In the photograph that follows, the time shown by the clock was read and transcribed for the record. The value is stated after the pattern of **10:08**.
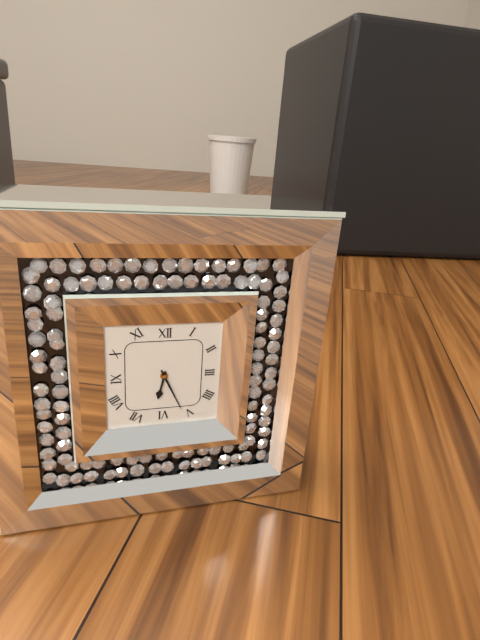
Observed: **6:26**
